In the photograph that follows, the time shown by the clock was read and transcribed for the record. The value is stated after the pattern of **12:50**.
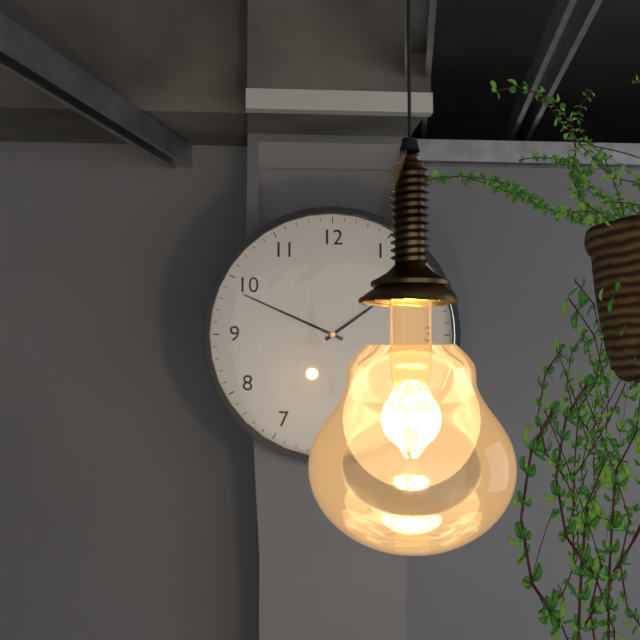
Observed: **1:49**
